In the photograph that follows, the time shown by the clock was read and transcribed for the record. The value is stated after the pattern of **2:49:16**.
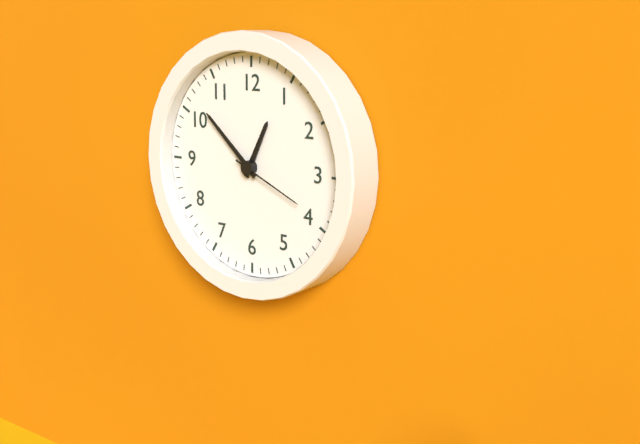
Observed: **12:52:19**
